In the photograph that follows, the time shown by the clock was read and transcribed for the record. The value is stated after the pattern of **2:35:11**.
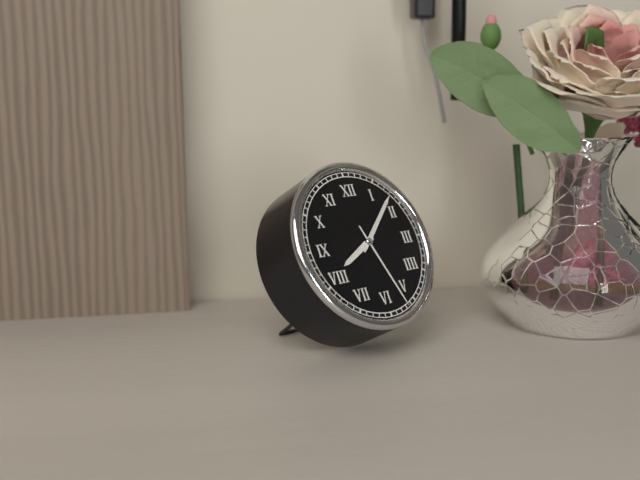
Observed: **8:08:27**
